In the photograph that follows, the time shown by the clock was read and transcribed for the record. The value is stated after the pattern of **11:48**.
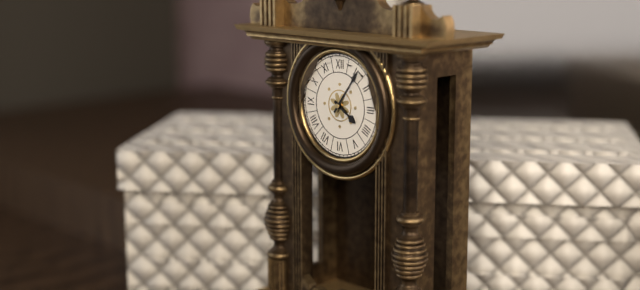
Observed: **4:06**
